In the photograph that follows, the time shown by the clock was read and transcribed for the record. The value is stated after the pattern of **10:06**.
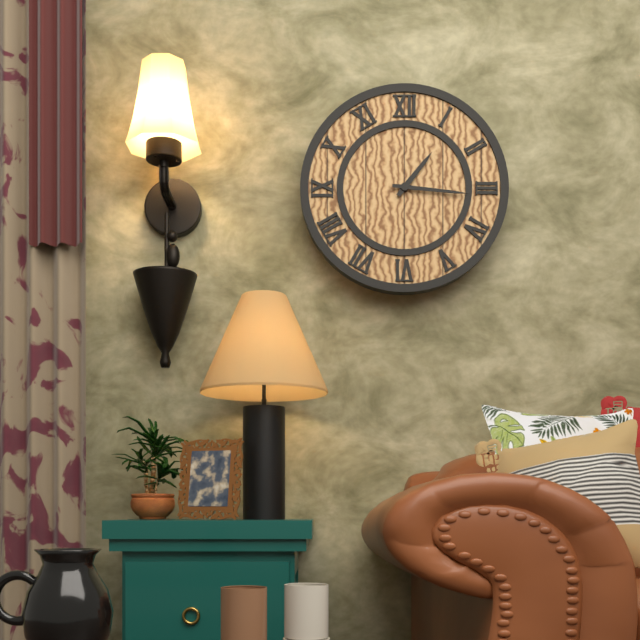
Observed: **1:16**
